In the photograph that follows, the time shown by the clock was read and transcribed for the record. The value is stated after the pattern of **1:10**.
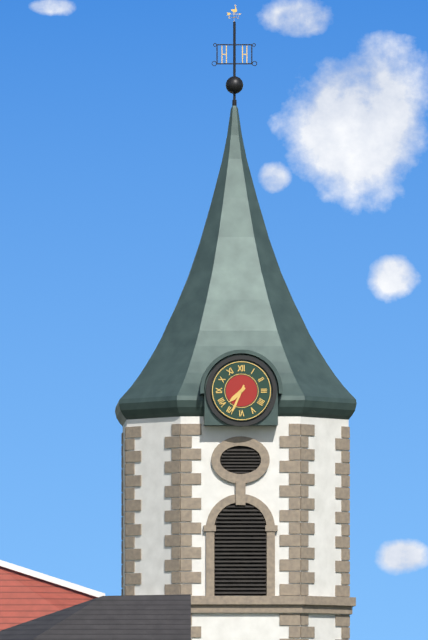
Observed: **7:34**
